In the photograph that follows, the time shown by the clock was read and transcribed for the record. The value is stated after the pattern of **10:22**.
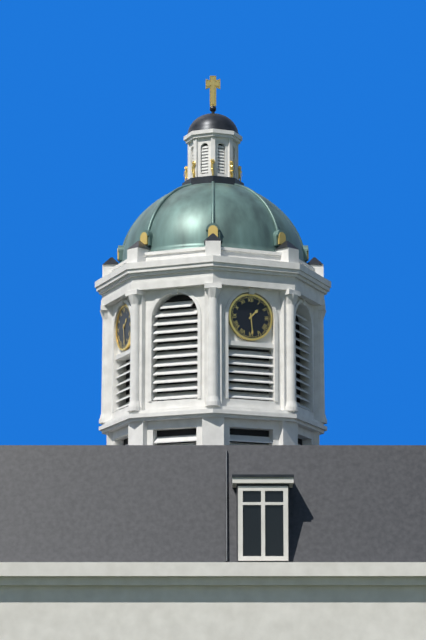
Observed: **1:29**
